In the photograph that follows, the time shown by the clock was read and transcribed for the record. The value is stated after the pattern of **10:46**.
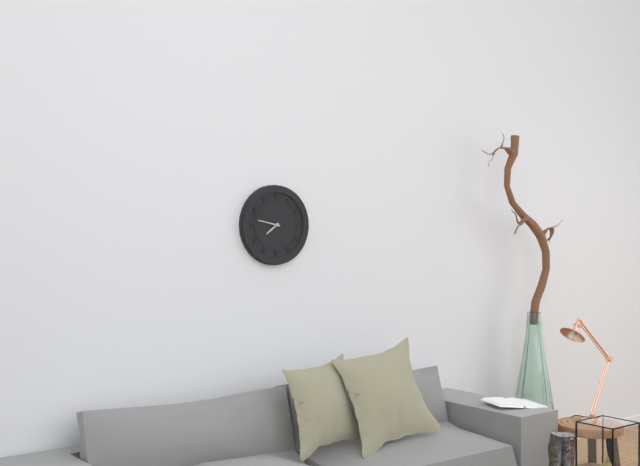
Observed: **7:47**
